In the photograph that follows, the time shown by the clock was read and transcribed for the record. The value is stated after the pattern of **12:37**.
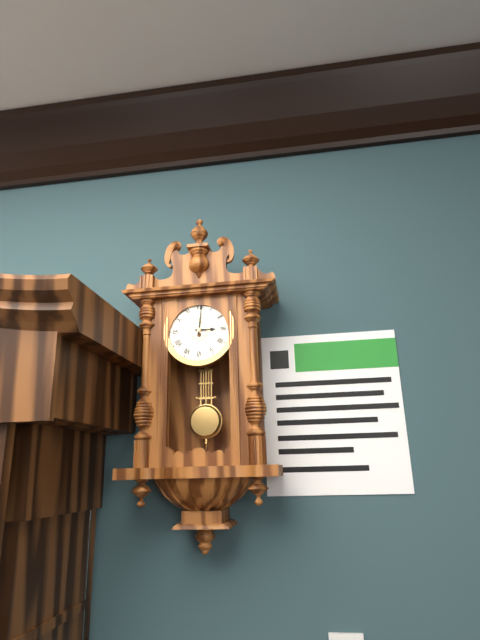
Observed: **3:01**
